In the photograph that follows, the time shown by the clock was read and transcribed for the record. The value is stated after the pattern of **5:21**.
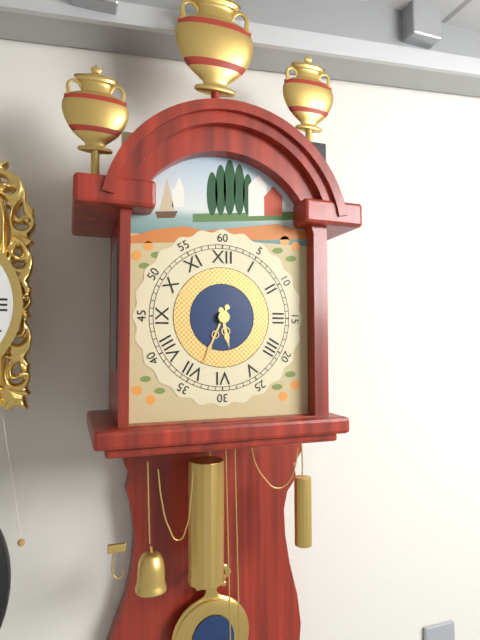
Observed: **5:34**
